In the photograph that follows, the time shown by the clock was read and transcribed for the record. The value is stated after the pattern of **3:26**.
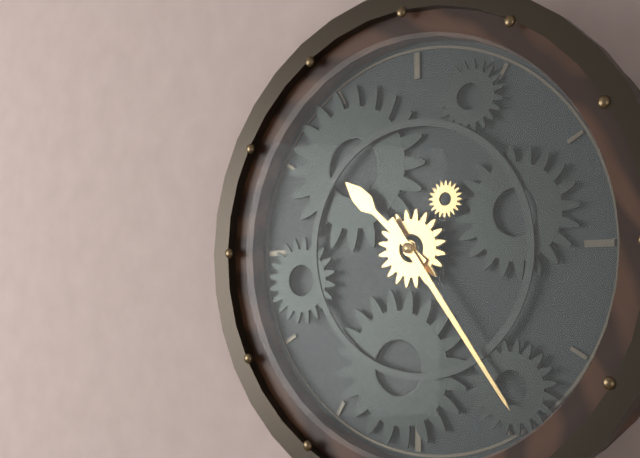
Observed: **10:24**
